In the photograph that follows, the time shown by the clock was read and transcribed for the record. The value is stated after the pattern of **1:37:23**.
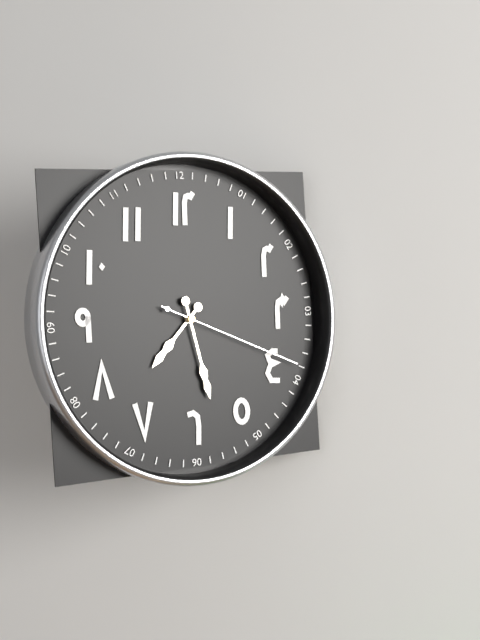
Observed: **7:28:19**
